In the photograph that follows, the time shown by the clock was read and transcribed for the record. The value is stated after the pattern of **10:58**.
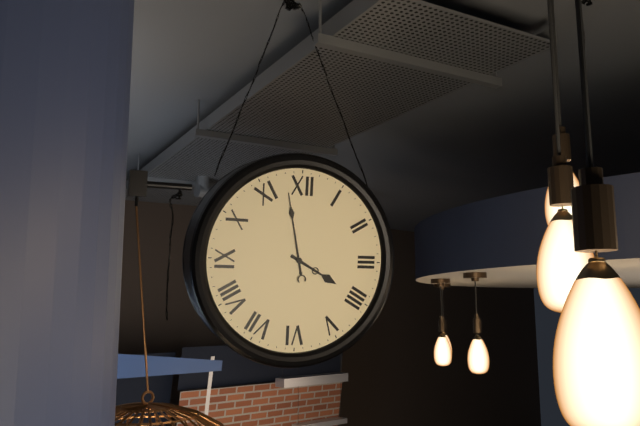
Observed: **3:58**
